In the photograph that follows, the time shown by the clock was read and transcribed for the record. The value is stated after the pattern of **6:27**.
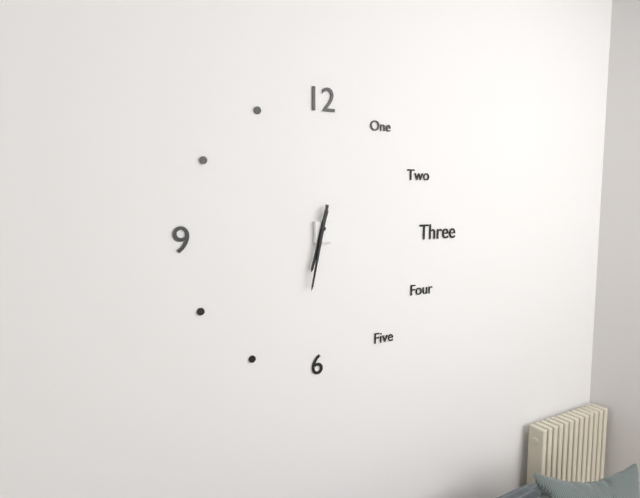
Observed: **6:32**
